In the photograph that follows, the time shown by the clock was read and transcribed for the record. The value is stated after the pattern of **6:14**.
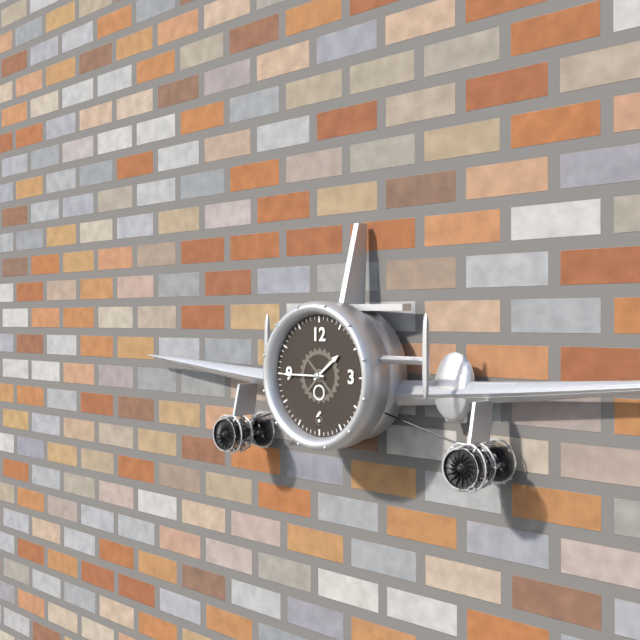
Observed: **1:45**
